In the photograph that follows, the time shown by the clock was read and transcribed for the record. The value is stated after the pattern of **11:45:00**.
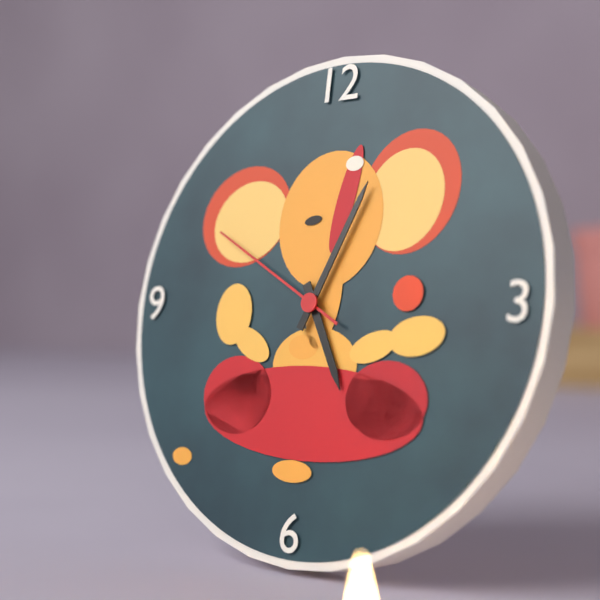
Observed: **5:04:50**
